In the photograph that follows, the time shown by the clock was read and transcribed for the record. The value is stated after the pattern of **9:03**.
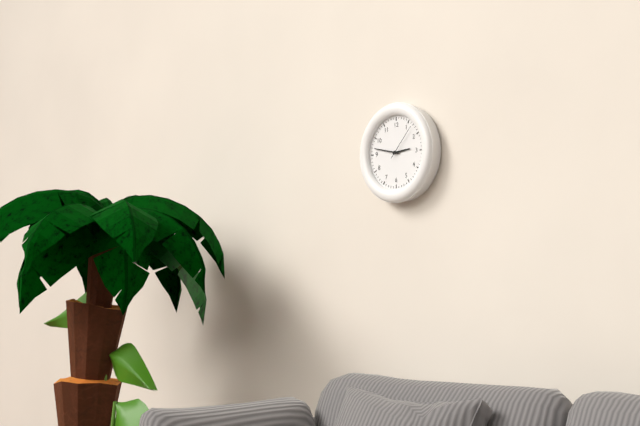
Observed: **2:47**
